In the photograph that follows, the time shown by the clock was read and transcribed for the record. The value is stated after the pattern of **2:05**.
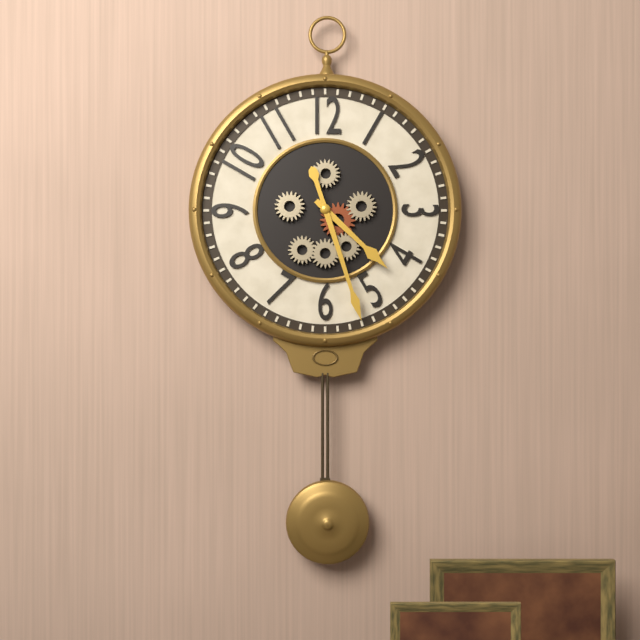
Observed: **4:27**
